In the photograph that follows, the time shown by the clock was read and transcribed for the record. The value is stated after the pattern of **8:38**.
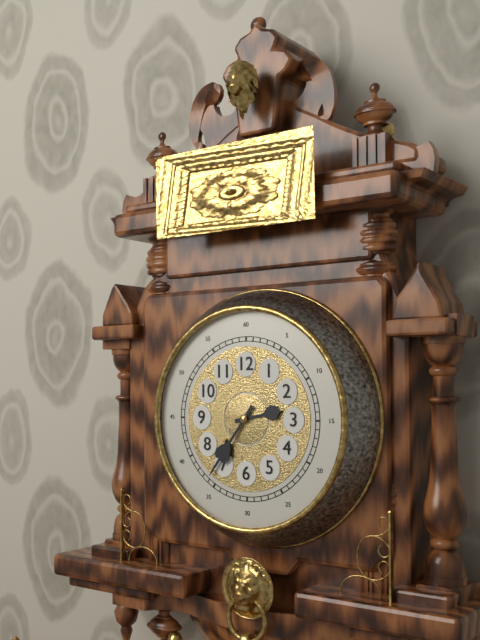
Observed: **2:36**
